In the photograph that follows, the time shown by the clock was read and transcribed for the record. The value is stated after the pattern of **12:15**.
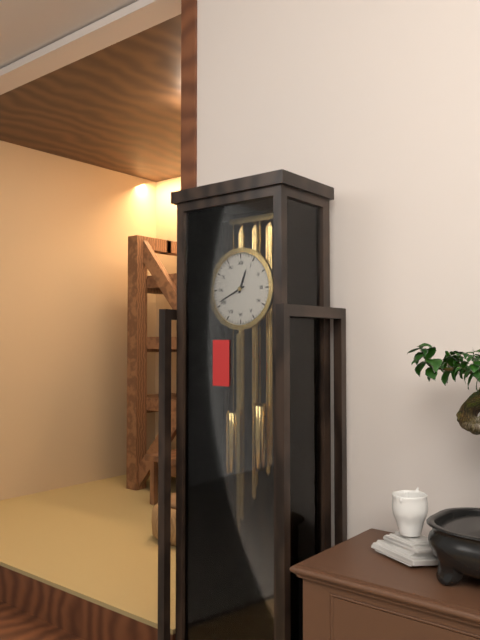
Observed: **12:41**
